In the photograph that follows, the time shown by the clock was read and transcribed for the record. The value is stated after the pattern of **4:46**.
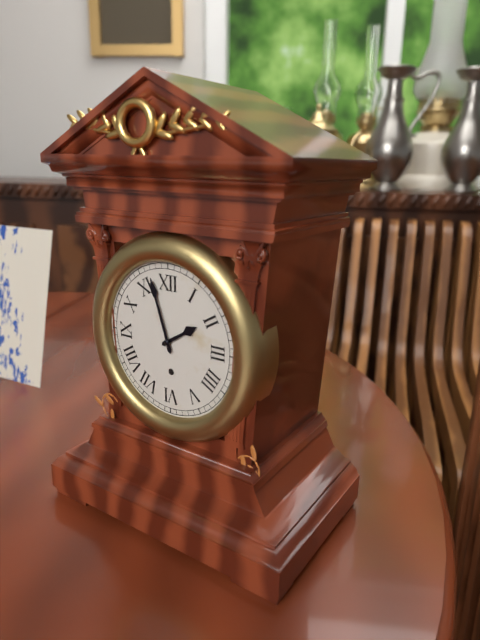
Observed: **1:57**
